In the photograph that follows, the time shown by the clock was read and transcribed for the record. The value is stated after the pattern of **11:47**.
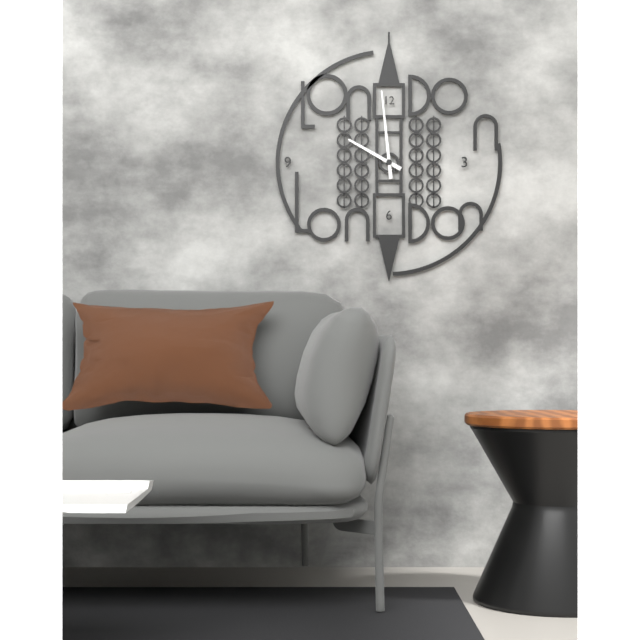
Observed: **9:59**
